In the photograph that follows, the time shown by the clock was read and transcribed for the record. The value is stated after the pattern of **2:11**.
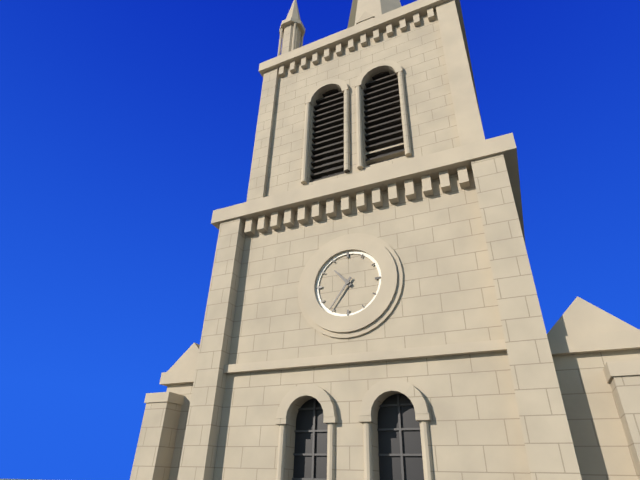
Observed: **10:36**
